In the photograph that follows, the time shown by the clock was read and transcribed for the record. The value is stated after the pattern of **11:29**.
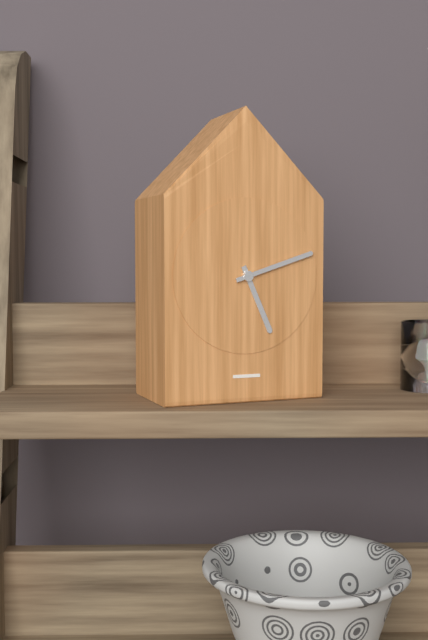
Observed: **5:12**
